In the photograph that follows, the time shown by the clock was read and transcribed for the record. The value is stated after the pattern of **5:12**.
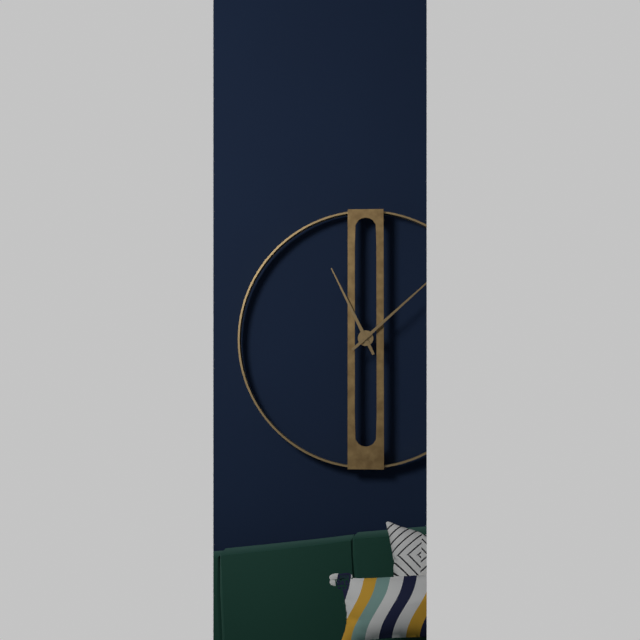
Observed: **11:08**
